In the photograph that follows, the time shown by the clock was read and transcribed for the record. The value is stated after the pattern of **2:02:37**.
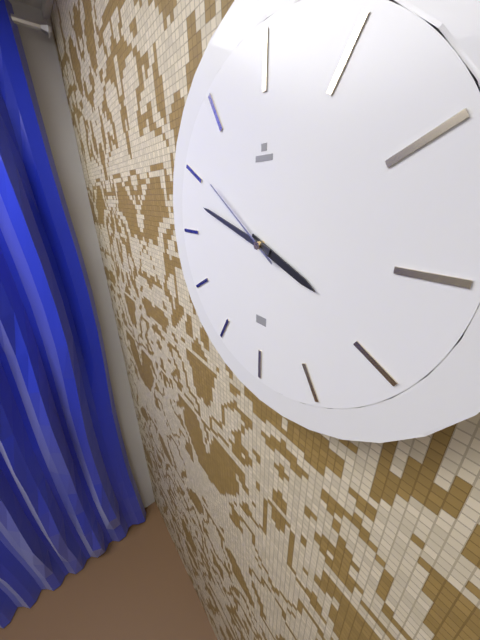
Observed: **3:48:51**
